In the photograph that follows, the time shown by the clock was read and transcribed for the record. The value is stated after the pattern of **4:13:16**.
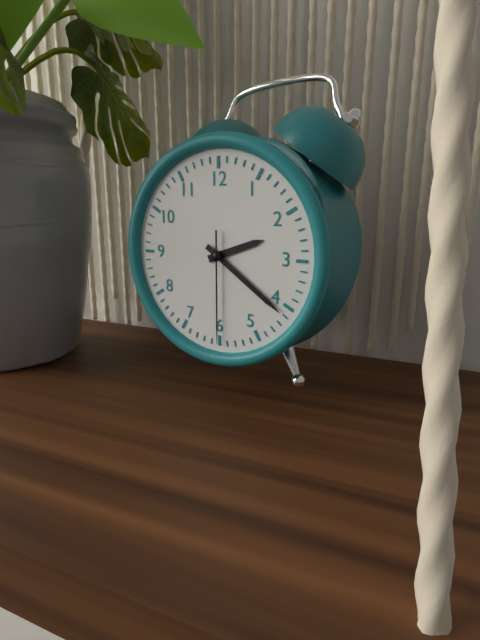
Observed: **2:21:30**
